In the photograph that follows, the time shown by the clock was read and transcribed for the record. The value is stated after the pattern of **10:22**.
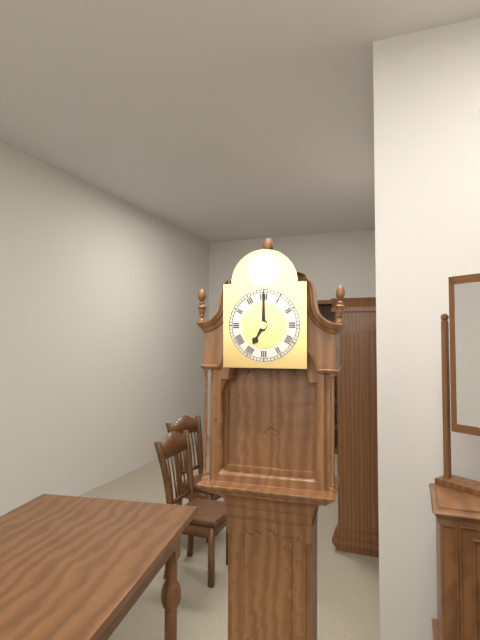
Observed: **7:00**
